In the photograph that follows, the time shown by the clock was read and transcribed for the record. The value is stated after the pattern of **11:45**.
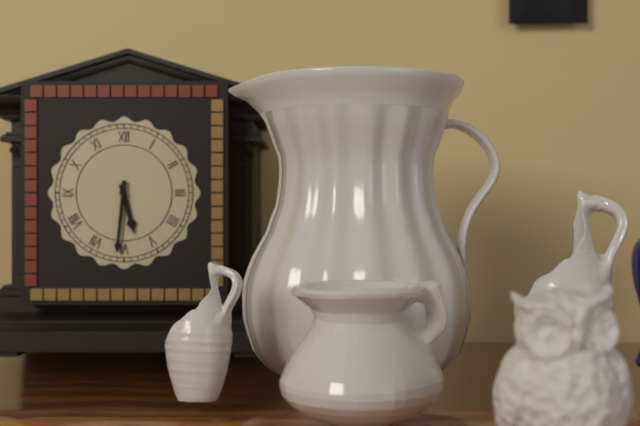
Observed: **5:31**
